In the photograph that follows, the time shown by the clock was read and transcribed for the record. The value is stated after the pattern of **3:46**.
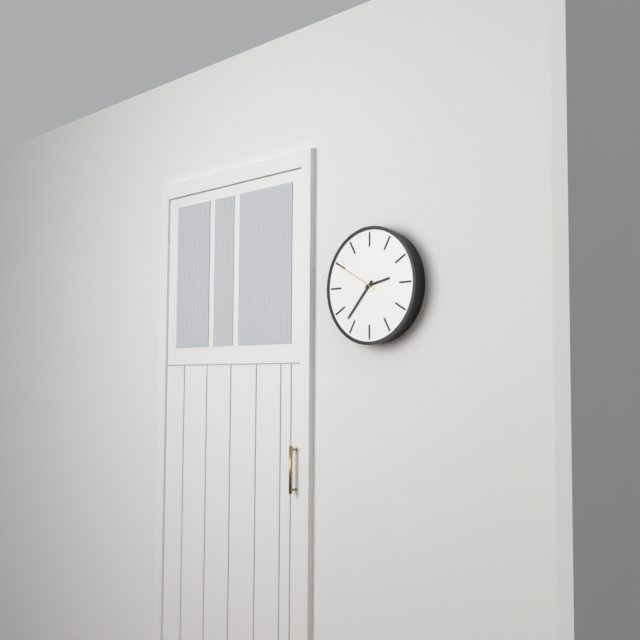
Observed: **2:37**
